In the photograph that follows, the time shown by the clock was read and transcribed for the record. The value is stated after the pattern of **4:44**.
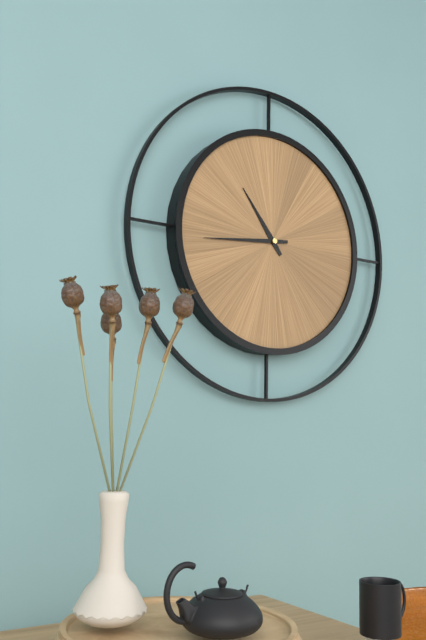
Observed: **10:44**
